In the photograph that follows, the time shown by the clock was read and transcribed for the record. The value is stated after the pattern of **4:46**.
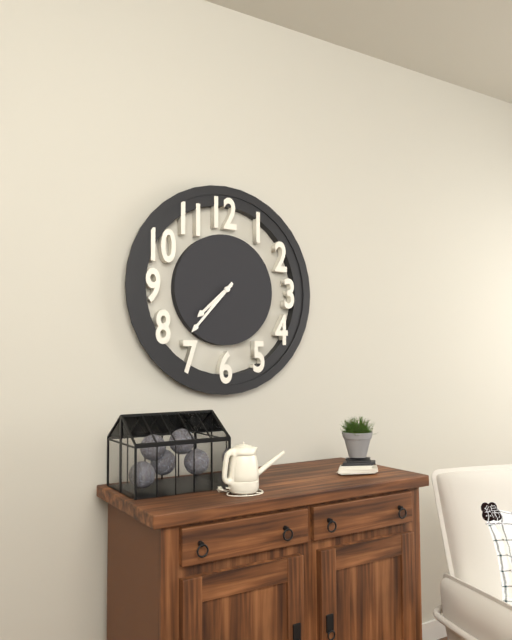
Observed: **7:37**
